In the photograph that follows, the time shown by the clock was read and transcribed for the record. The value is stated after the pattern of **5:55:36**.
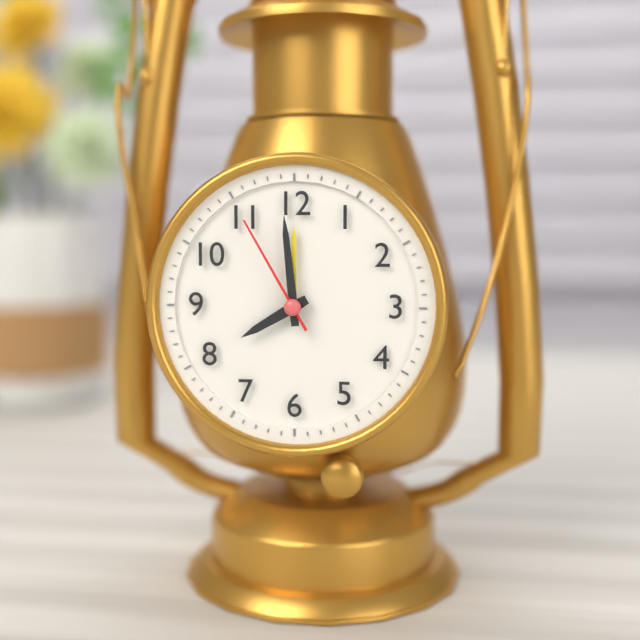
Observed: **7:59:55**
